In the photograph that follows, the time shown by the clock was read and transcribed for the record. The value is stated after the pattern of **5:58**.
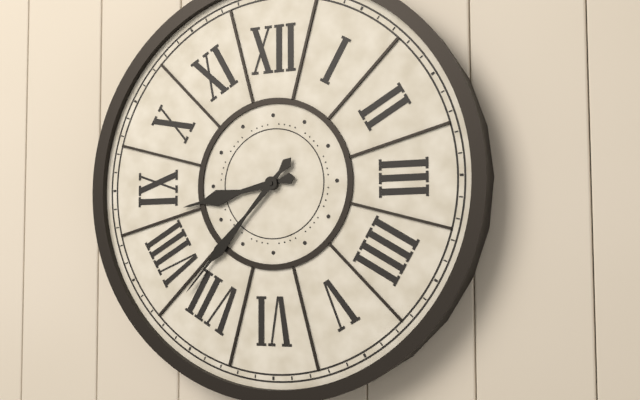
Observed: **8:37**
